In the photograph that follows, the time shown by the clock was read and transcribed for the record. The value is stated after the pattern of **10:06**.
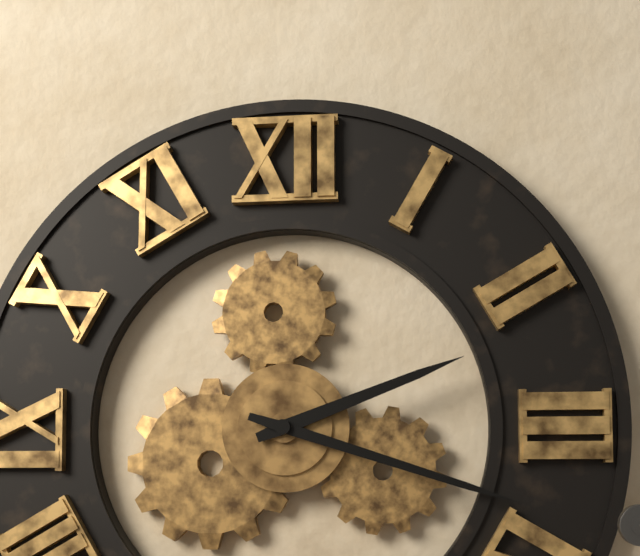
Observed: **2:18**
